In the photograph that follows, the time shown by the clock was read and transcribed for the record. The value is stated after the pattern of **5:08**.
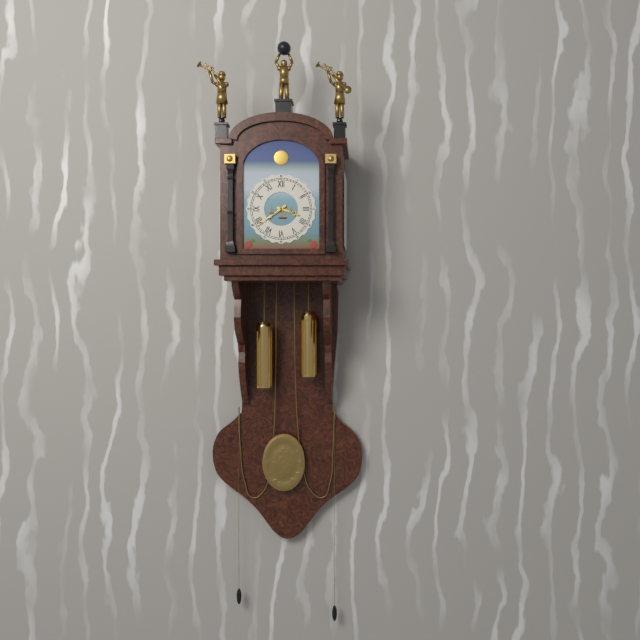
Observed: **3:39**
